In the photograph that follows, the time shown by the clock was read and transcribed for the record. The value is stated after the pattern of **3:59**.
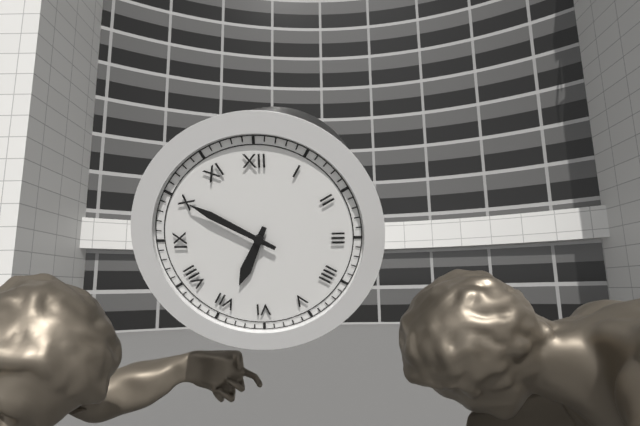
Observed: **6:50**
